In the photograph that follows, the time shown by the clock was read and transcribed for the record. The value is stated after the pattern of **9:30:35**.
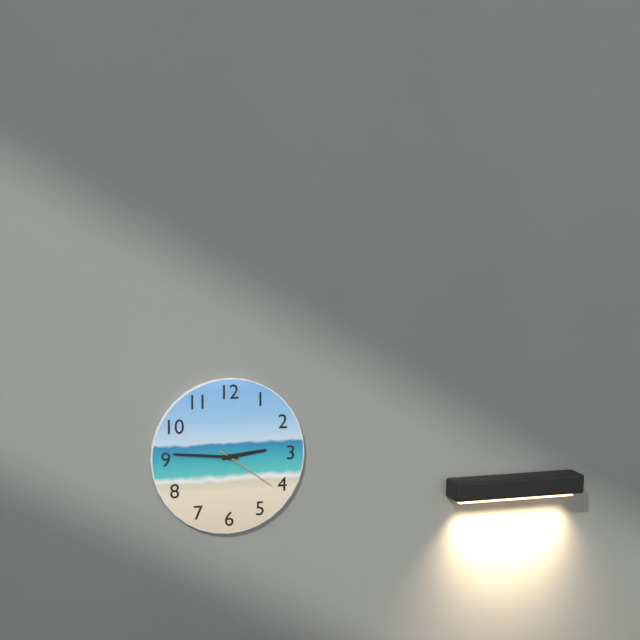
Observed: **2:46:21**
